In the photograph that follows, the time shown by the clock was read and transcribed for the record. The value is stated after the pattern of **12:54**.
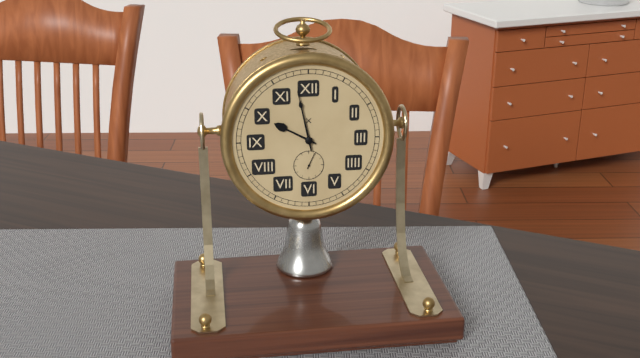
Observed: **9:58**
